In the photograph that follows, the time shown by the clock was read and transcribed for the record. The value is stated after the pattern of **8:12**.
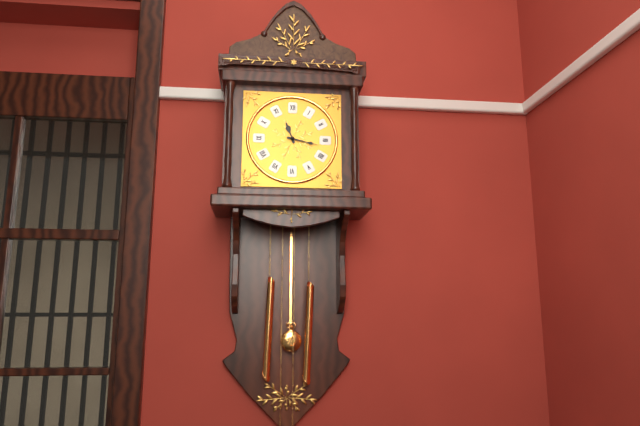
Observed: **11:17**
